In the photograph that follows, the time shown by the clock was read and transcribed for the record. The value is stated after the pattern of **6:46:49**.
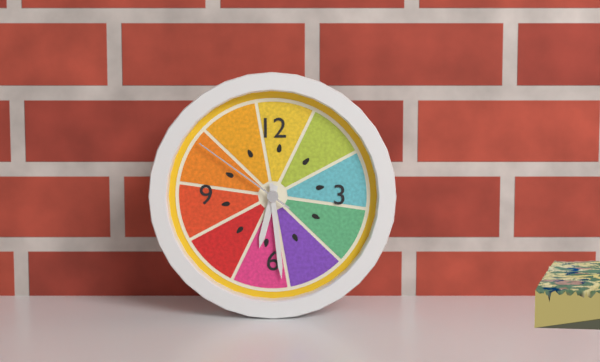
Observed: **6:29:51**
